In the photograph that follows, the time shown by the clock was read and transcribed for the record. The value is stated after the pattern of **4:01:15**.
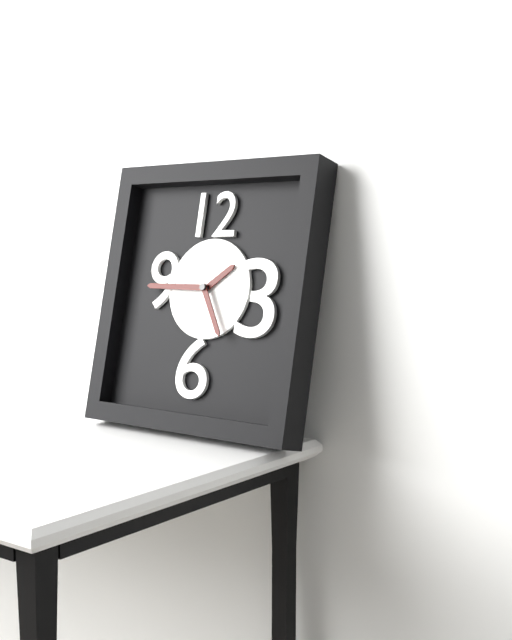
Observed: **1:45:25**
